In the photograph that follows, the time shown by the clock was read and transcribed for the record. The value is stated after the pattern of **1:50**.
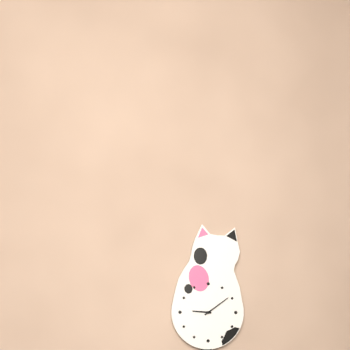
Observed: **9:09**
